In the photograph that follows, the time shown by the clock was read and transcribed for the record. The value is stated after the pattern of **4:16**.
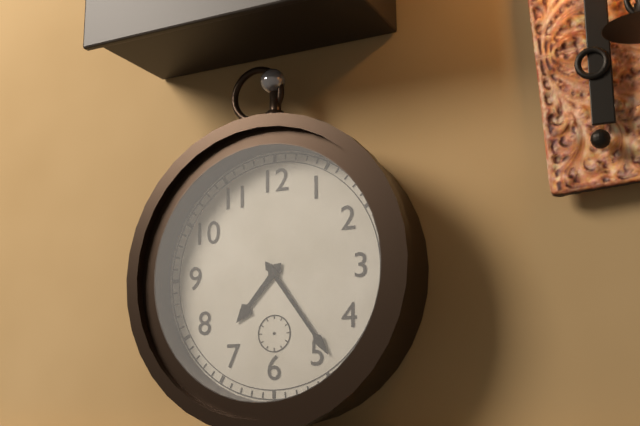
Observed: **7:24**
